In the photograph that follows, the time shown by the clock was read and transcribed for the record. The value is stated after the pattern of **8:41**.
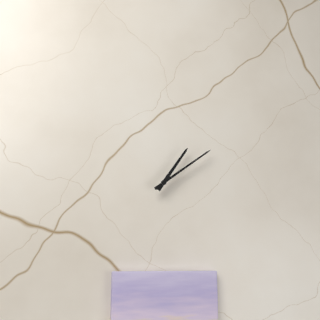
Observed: **1:09**
